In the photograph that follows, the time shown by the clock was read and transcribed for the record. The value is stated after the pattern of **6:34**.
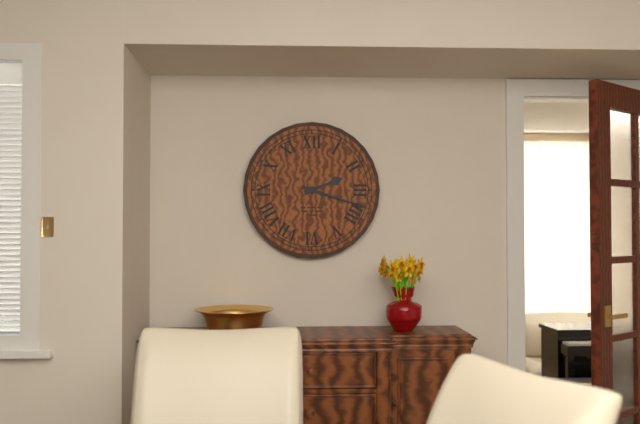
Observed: **2:18**
